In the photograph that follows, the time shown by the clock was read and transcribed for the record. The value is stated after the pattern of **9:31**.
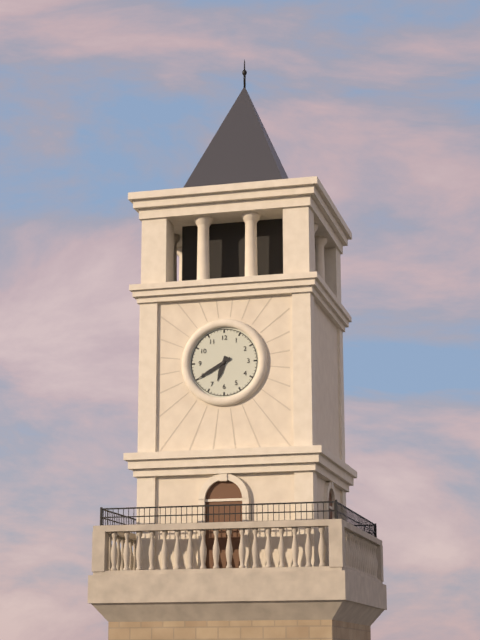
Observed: **6:40**
